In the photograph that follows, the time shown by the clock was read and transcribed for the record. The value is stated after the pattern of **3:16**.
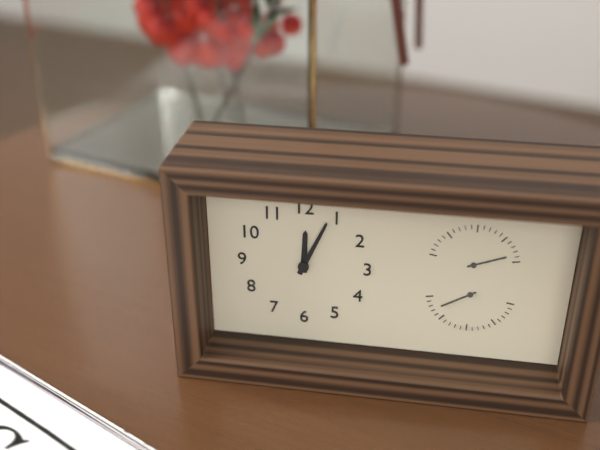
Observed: **12:04**
